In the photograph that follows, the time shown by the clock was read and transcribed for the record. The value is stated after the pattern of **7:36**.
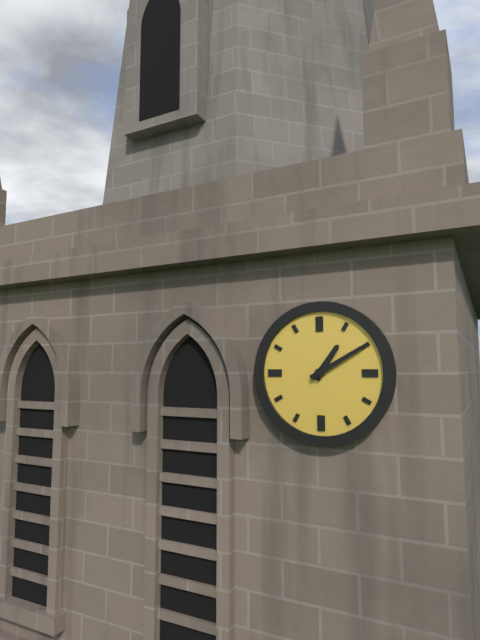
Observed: **1:10**
